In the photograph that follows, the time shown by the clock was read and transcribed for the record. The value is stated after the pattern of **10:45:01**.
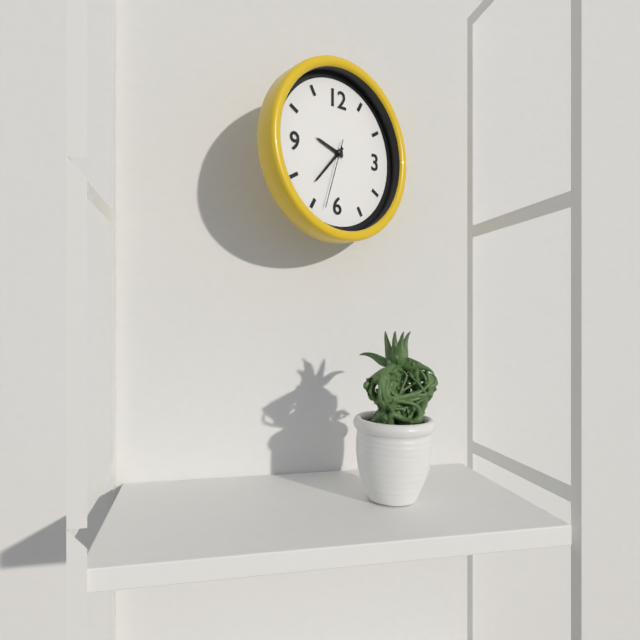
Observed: **9:37:33**
